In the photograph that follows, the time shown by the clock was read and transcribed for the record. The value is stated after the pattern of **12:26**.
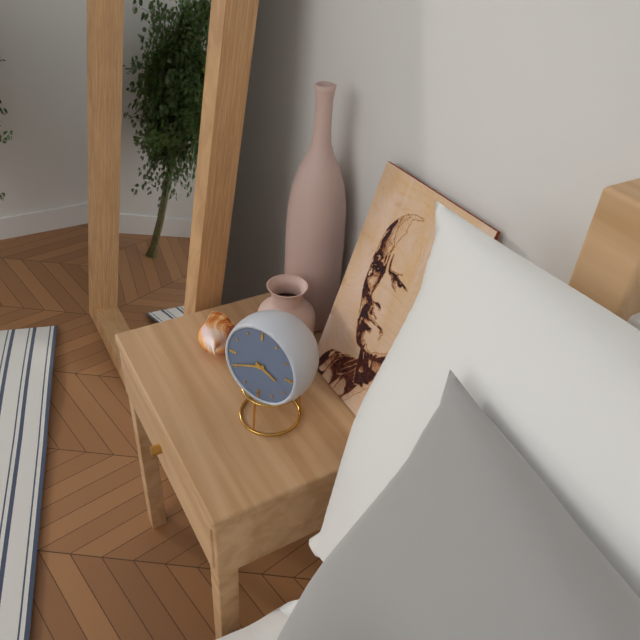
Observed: **3:41**
